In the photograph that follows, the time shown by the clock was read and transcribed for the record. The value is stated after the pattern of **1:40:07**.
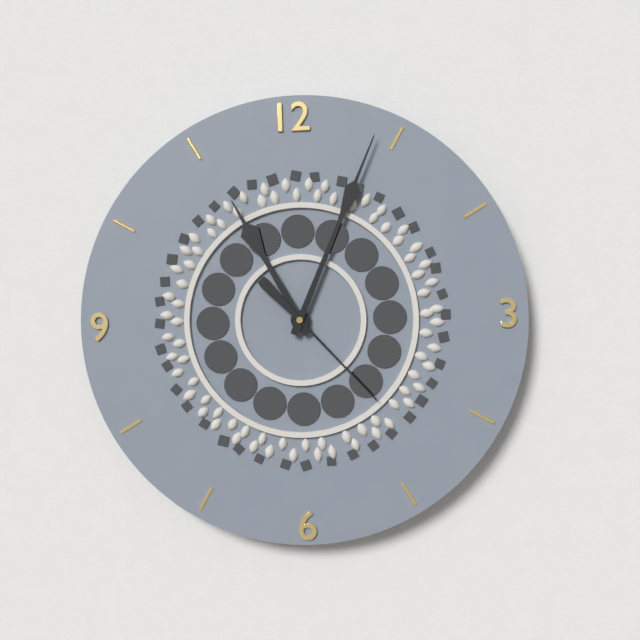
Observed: **11:04:23**
